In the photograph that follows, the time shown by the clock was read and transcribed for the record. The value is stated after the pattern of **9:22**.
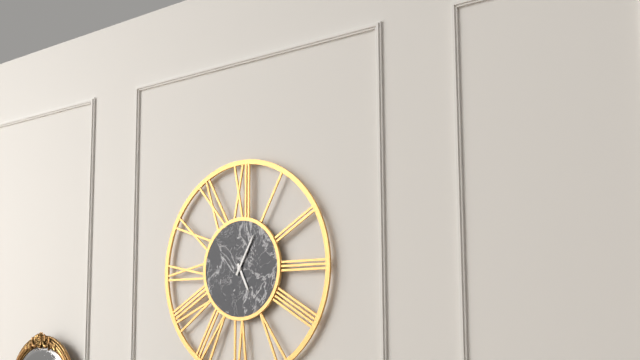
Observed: **5:05**
